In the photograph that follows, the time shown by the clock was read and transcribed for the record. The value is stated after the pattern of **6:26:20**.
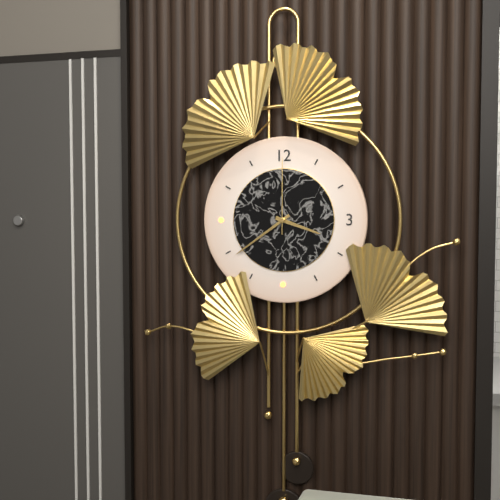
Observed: **3:39:00**
